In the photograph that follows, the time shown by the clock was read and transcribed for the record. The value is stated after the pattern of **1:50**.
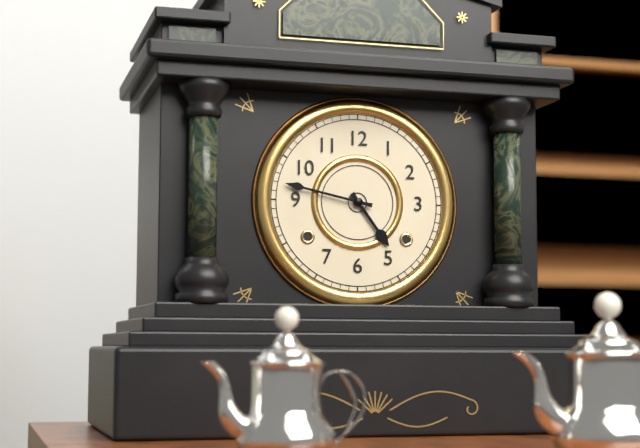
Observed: **4:47**
